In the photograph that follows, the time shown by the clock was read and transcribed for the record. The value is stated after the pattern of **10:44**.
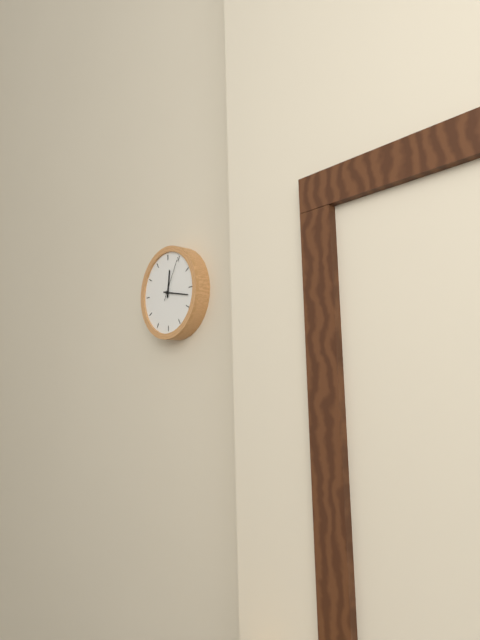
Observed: **12:17**
